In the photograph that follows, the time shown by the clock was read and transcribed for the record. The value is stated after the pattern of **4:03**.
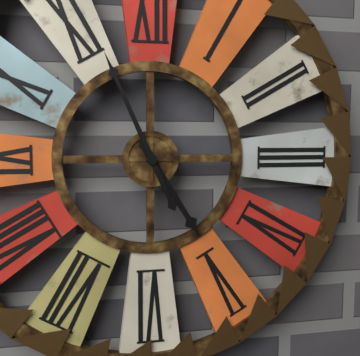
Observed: **4:56**
